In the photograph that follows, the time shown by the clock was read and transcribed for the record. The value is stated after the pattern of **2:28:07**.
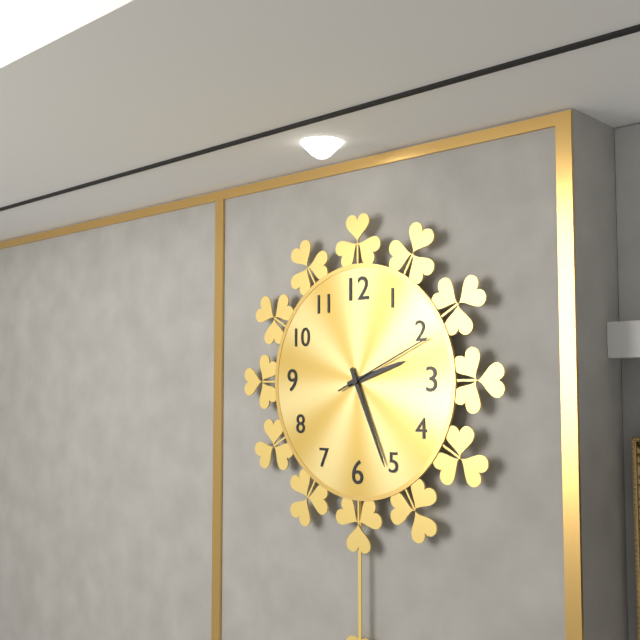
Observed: **2:26:11**
